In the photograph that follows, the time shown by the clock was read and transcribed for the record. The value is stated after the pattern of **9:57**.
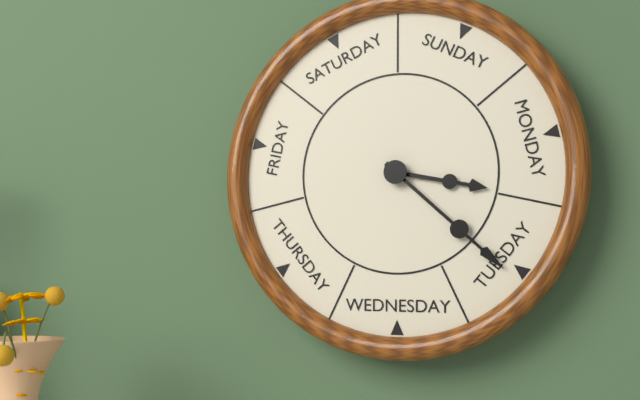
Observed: **3:22**
